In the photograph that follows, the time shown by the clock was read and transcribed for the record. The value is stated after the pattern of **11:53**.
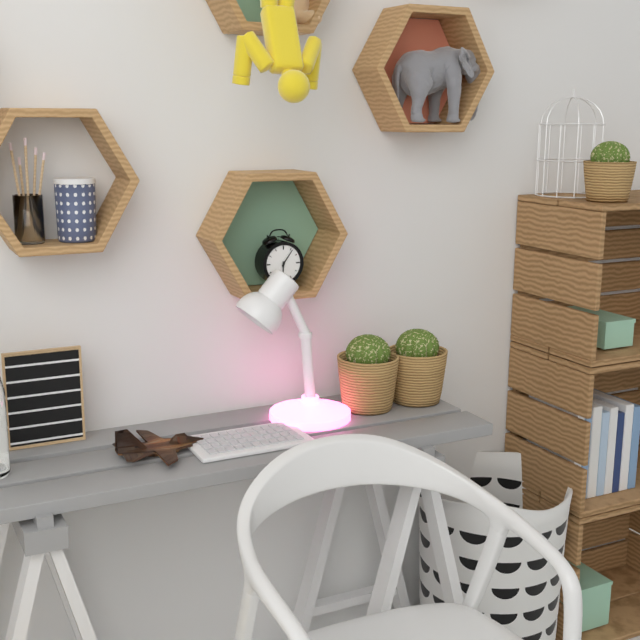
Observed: **6:06**
